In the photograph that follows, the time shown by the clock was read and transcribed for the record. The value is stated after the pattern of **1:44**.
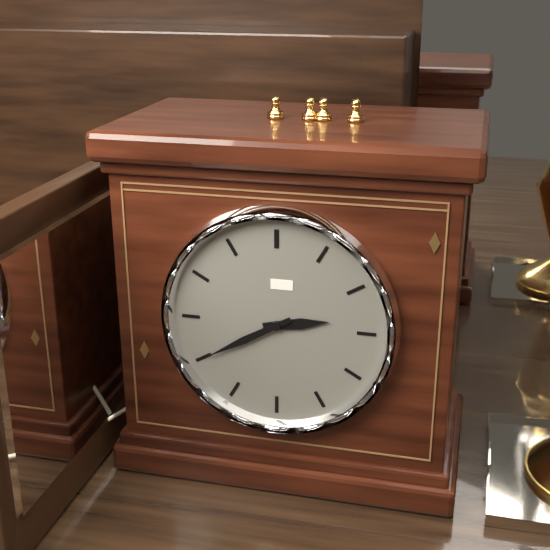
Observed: **2:40**
